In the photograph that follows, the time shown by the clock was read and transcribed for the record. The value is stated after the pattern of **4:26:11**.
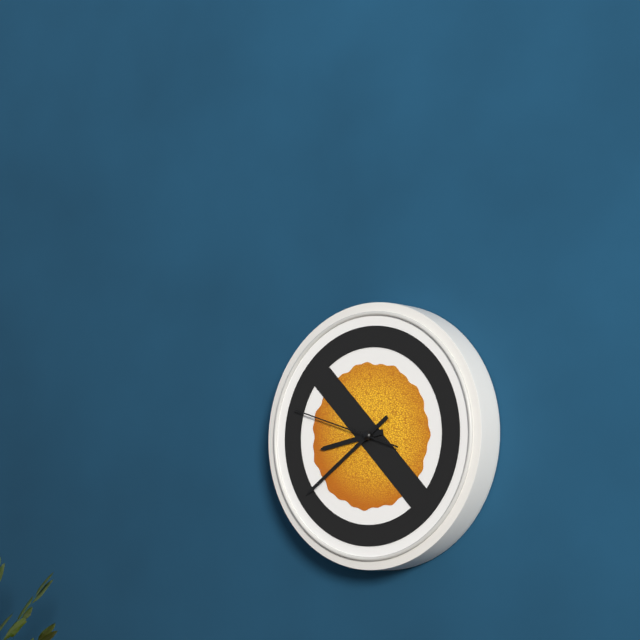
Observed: **8:39:48**
